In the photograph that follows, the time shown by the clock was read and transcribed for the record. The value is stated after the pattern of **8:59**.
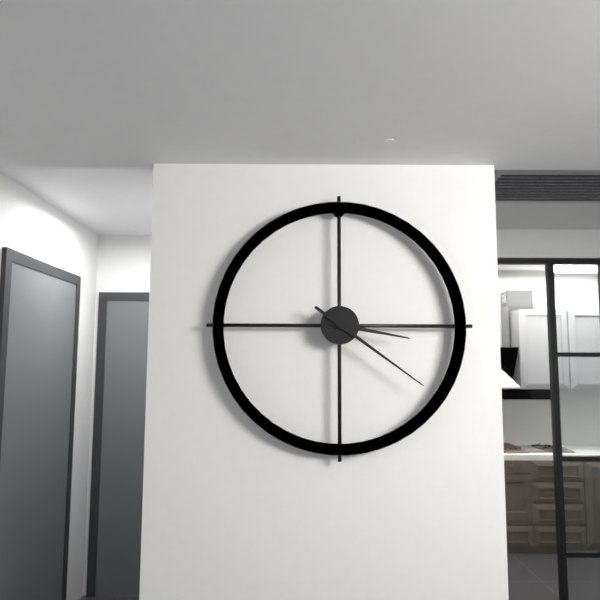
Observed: **3:21**
